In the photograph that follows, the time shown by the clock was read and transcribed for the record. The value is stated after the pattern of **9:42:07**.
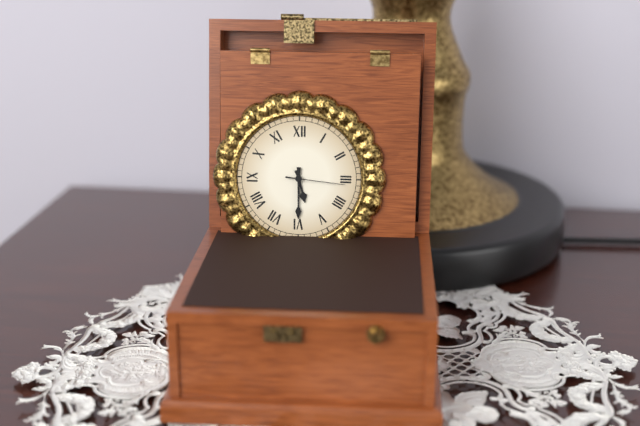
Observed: **5:30:16**
